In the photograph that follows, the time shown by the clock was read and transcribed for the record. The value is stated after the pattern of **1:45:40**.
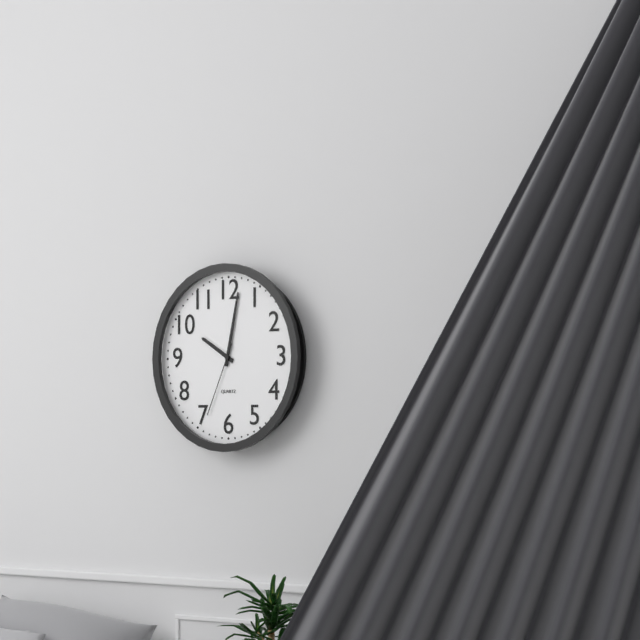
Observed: **10:02:34**
